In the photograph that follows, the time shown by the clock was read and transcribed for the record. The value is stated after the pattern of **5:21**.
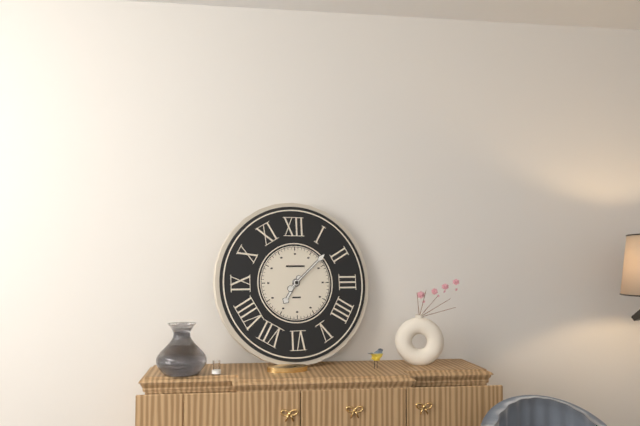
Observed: **7:08**
